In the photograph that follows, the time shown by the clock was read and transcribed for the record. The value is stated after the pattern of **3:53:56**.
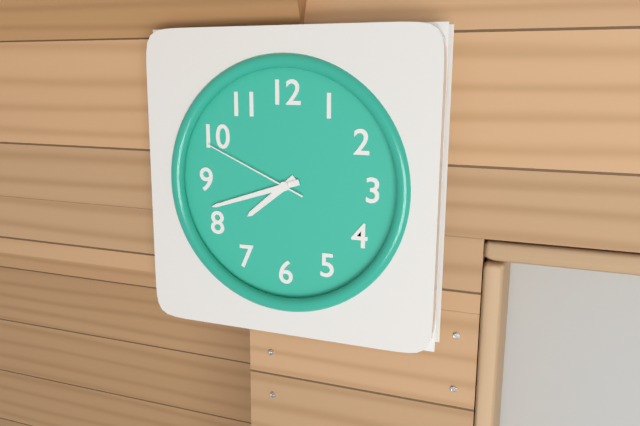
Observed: **7:42:49**
